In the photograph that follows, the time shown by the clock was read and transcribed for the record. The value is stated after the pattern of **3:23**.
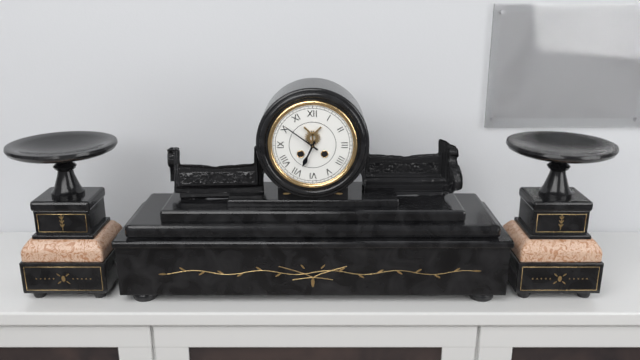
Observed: **6:51**
